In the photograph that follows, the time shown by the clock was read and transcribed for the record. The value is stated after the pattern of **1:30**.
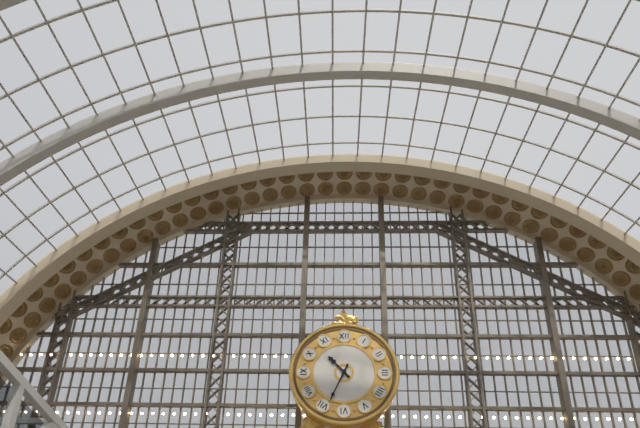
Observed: **10:34**
